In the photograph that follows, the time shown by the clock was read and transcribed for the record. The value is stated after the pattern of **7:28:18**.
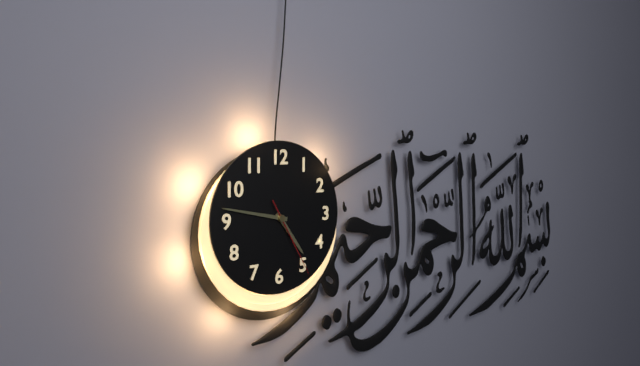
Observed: **4:47:25**
